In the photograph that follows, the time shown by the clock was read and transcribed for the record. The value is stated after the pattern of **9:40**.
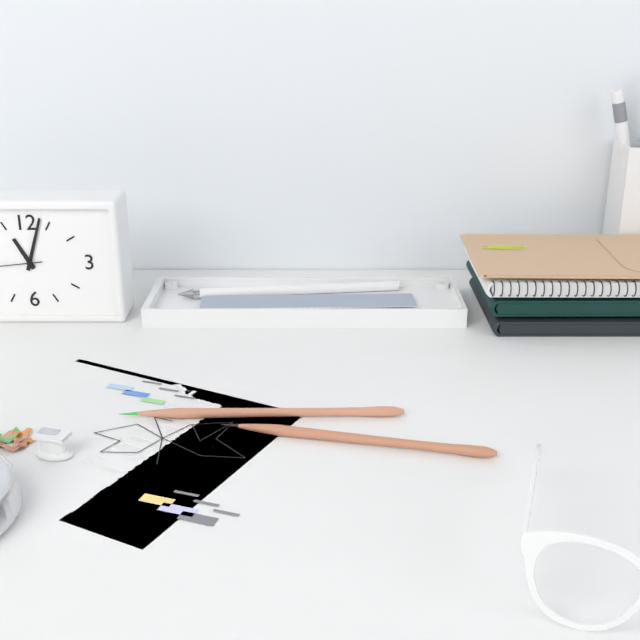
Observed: **11:03**
